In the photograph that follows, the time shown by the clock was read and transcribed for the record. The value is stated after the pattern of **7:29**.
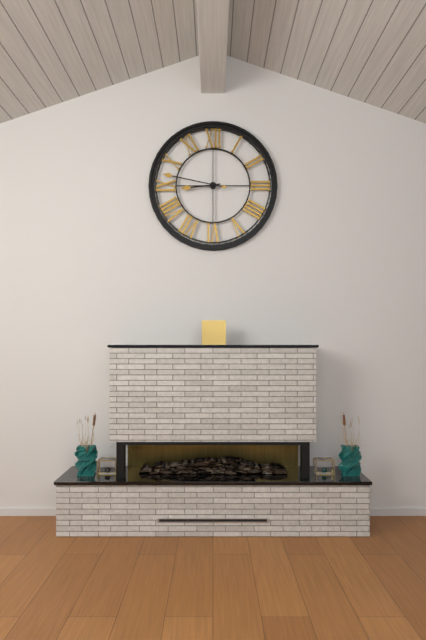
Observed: **8:47**
